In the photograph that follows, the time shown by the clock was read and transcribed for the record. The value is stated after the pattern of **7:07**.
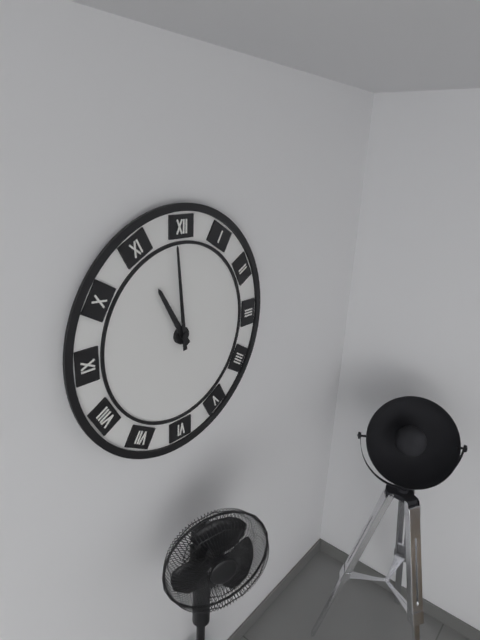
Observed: **10:59**
